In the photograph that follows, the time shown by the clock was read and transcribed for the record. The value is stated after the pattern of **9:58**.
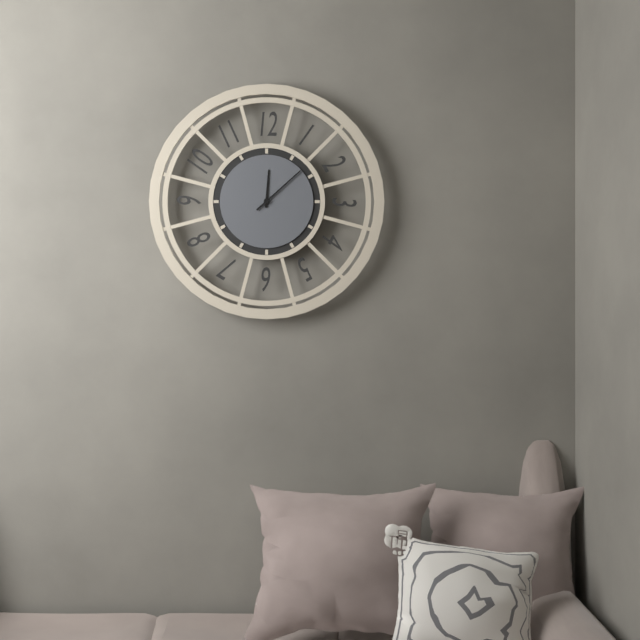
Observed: **12:08**
